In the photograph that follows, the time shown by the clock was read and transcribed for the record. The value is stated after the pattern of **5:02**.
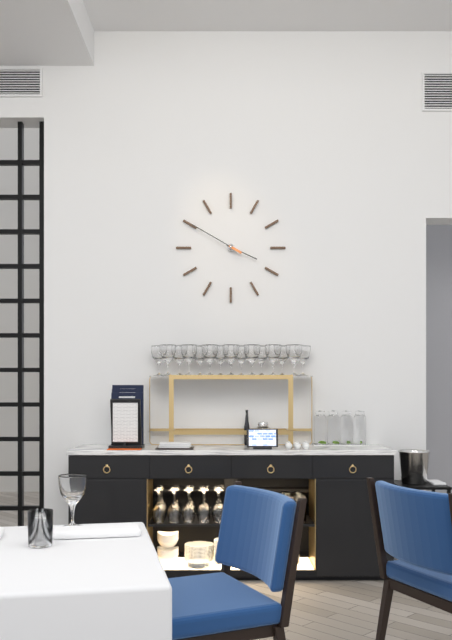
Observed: **3:50**
